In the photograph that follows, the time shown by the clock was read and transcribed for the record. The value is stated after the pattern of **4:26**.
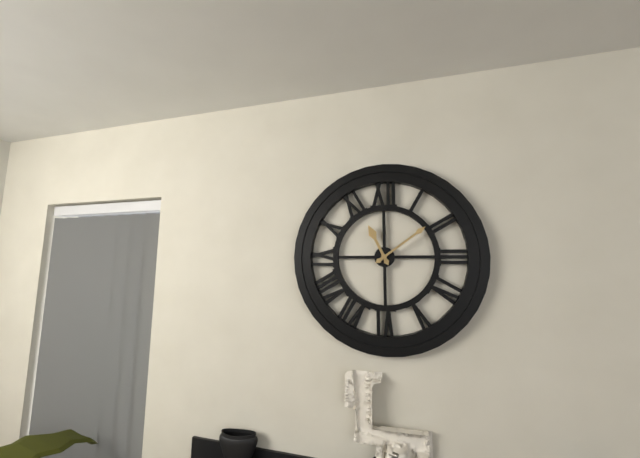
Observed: **11:09**
